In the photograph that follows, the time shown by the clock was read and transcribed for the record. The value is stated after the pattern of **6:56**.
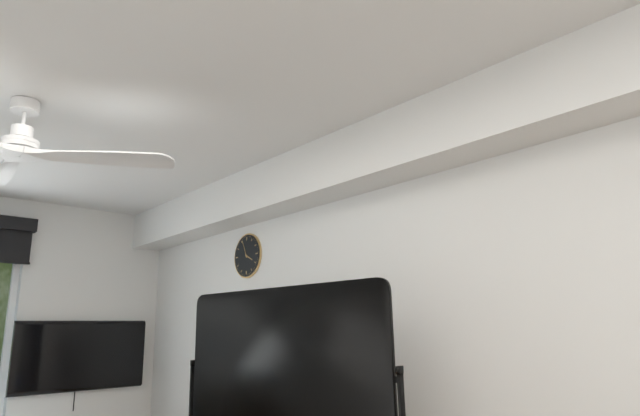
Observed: **3:56**
